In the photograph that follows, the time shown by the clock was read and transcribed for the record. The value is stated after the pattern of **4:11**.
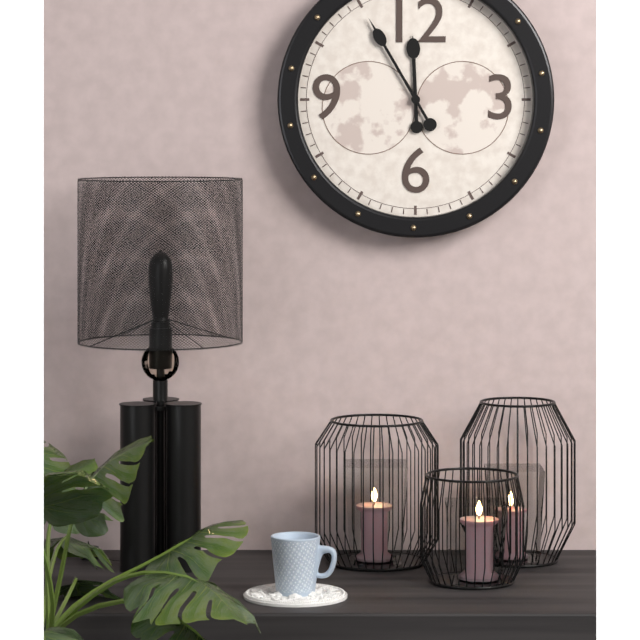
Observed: **11:55**
